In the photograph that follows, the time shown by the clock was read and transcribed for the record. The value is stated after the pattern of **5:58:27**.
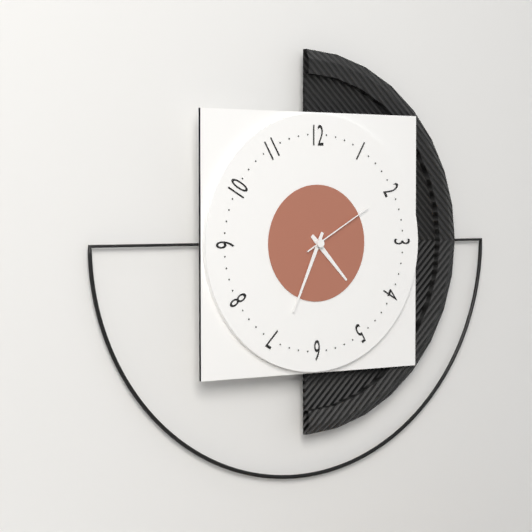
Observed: **4:34:10**
